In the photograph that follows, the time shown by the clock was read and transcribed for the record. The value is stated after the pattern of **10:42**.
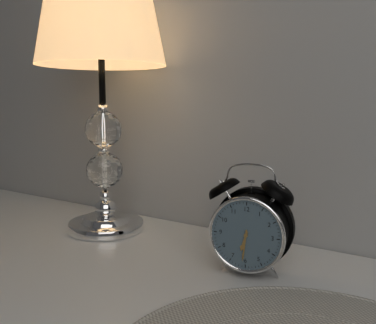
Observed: **6:31**
